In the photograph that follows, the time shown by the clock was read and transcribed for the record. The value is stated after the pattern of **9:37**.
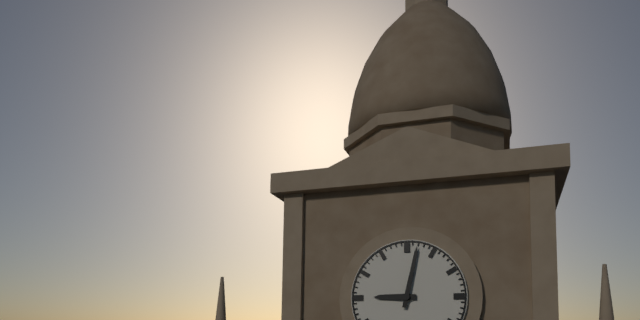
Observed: **9:02**
